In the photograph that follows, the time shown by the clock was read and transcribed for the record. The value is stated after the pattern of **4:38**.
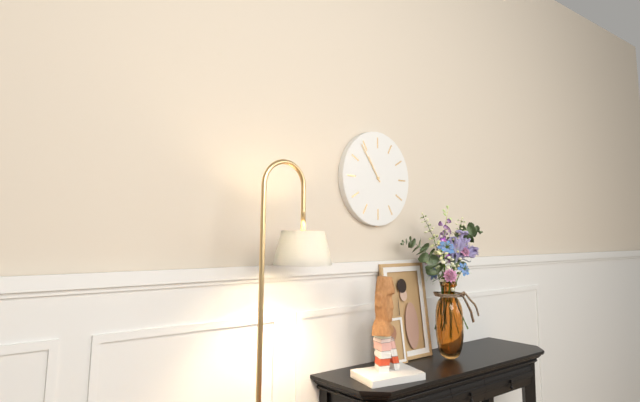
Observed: **10:54**
